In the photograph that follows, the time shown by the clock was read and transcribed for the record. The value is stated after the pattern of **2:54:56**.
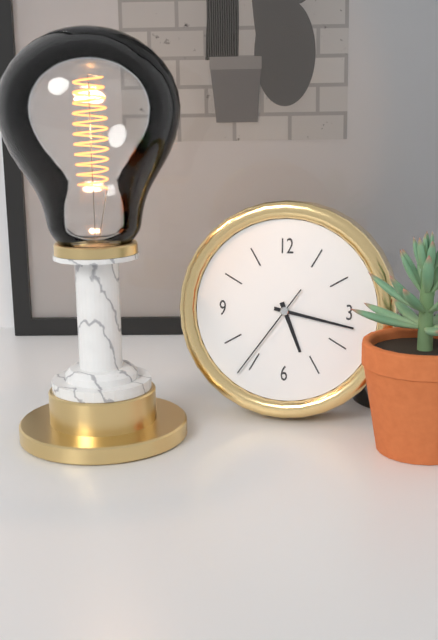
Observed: **5:17:36**
